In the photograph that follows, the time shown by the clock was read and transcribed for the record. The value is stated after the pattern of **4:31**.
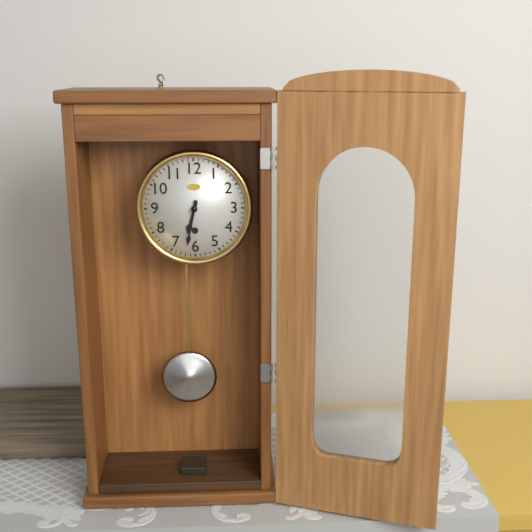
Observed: **6:32**
